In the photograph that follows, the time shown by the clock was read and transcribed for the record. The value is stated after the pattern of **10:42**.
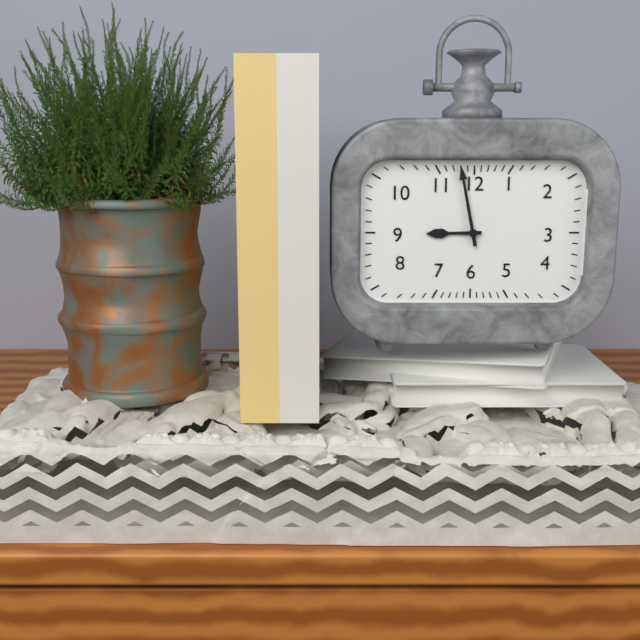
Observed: **8:58**
